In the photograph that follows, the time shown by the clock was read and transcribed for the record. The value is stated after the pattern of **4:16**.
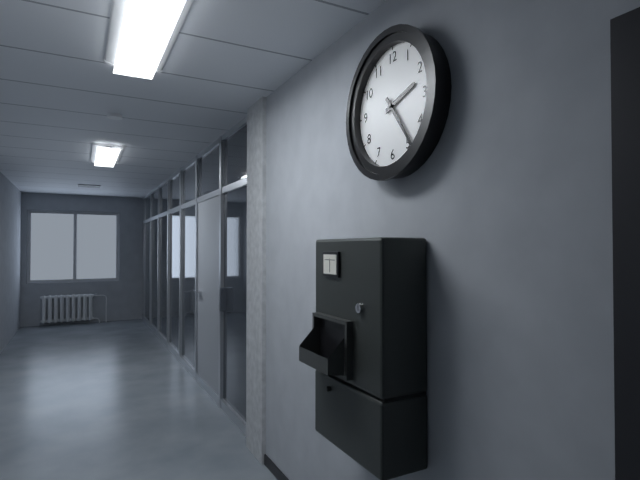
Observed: **2:24**
